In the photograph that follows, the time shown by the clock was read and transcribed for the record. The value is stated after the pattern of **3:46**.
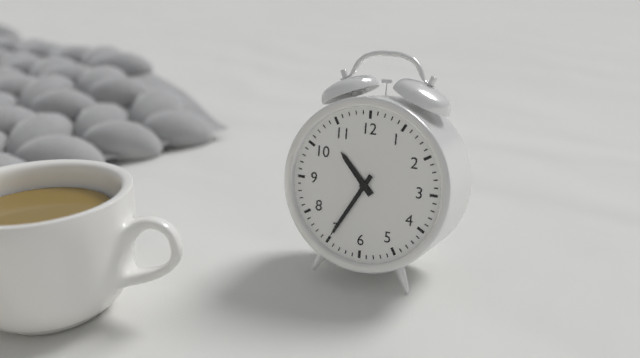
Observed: **10:35**
